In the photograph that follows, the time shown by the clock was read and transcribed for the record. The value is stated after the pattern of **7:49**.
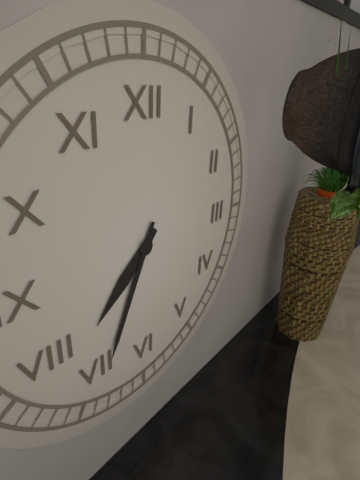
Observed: **7:34**
